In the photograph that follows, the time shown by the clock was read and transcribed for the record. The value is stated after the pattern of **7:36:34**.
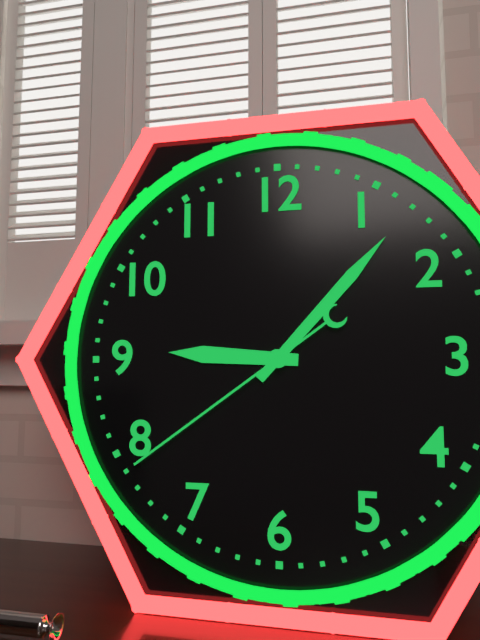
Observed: **9:07:39**
